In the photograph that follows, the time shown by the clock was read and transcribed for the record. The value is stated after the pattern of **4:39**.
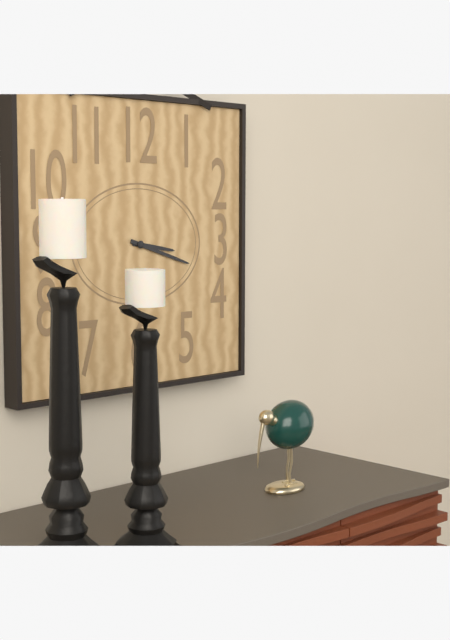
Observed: **3:18**
